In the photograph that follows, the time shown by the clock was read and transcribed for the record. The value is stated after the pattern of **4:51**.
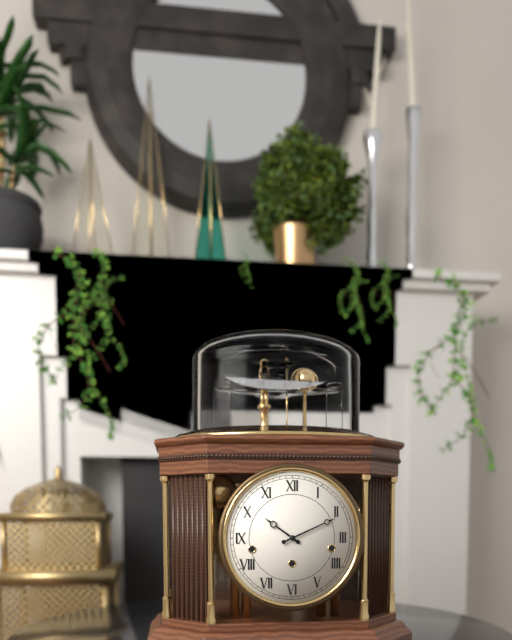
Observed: **10:11**
